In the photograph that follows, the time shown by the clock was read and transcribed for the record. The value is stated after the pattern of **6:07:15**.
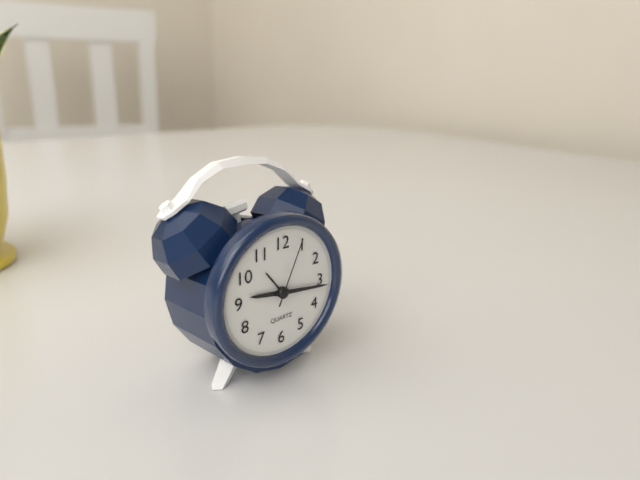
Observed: **9:16:04**
